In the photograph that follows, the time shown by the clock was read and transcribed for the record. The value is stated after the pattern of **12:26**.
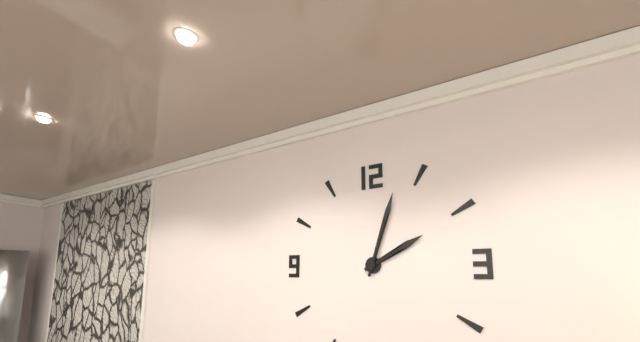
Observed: **2:03**
